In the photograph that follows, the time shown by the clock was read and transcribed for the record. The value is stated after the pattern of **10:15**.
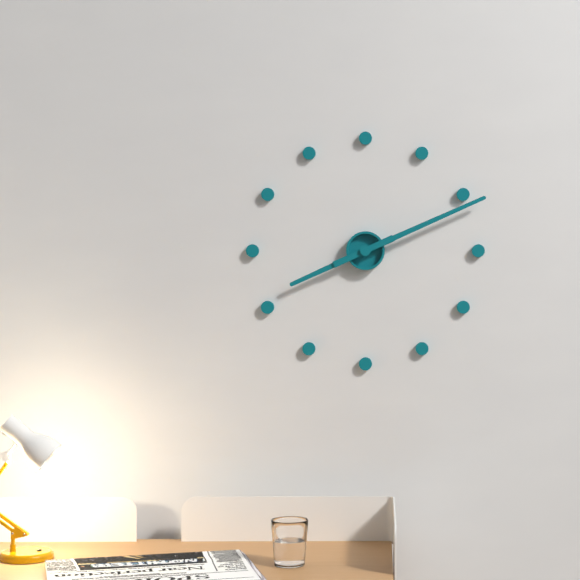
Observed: **8:11**
